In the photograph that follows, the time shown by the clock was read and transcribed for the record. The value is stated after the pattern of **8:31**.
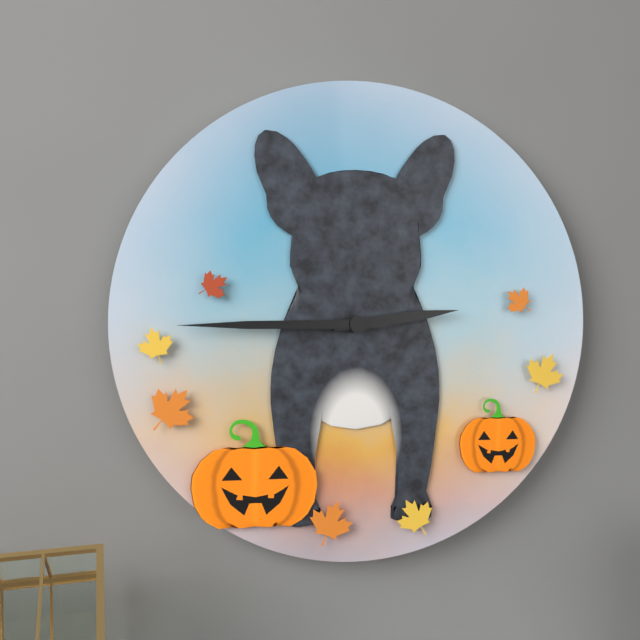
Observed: **2:45**
